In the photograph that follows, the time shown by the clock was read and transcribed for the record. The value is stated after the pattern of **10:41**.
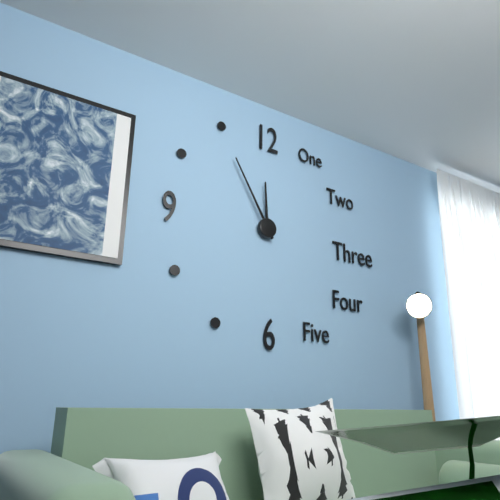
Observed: **11:55**
